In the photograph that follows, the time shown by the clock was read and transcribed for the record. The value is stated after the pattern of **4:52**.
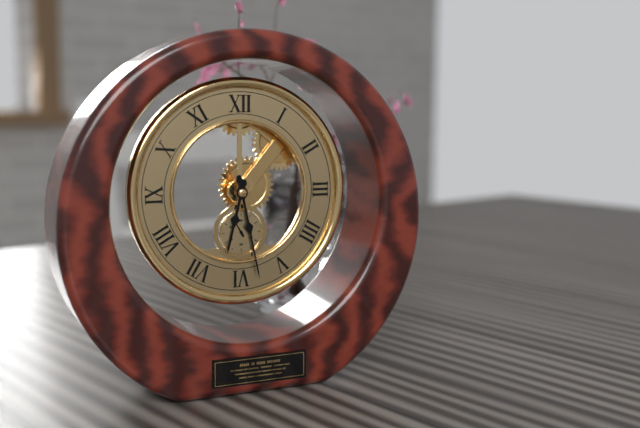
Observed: **6:28**
